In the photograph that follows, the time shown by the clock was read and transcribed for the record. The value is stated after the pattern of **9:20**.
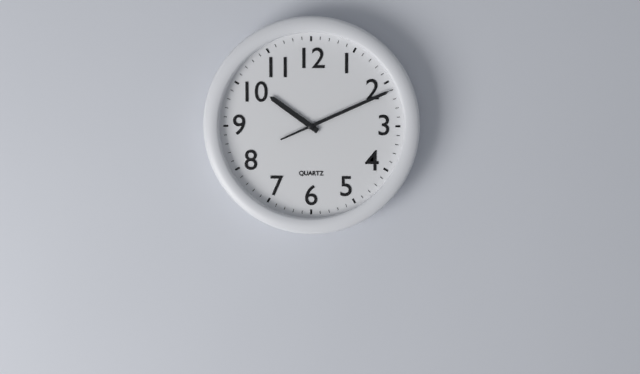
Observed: **10:11**
